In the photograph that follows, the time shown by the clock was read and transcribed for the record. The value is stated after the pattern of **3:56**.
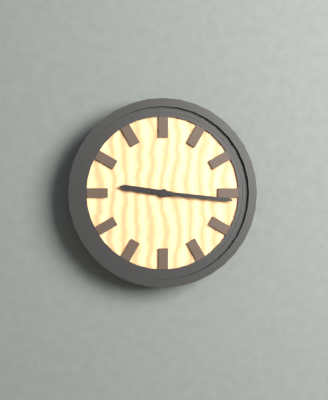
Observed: **9:16**
